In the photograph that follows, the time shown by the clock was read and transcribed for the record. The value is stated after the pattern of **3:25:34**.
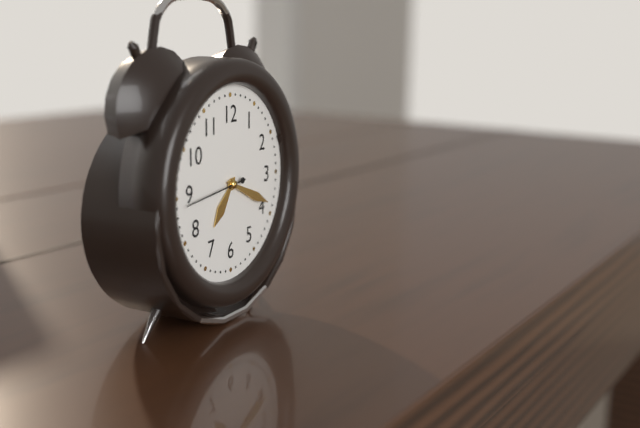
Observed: **7:19:44**
